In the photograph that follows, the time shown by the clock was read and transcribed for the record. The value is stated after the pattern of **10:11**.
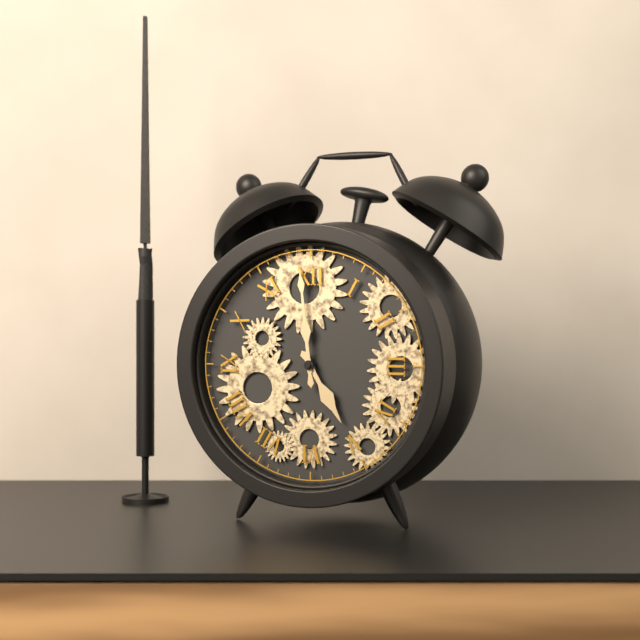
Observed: **4:59**
